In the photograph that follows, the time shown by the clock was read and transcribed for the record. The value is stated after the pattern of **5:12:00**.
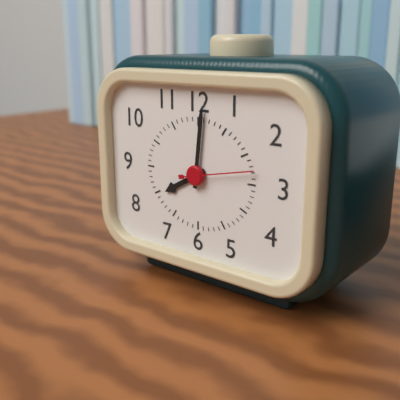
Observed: **8:01:13**
